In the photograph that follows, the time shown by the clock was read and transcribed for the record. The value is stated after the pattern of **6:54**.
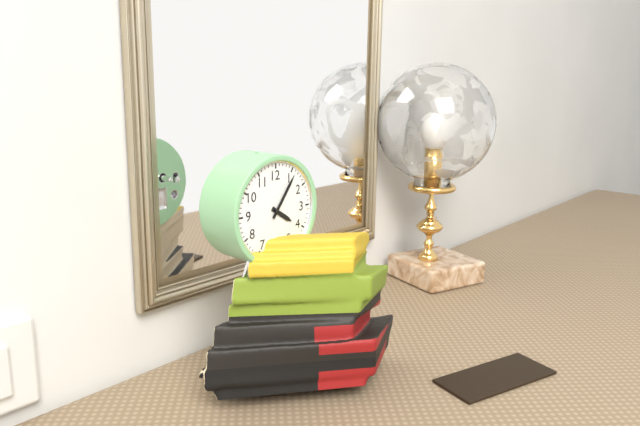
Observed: **4:06**
